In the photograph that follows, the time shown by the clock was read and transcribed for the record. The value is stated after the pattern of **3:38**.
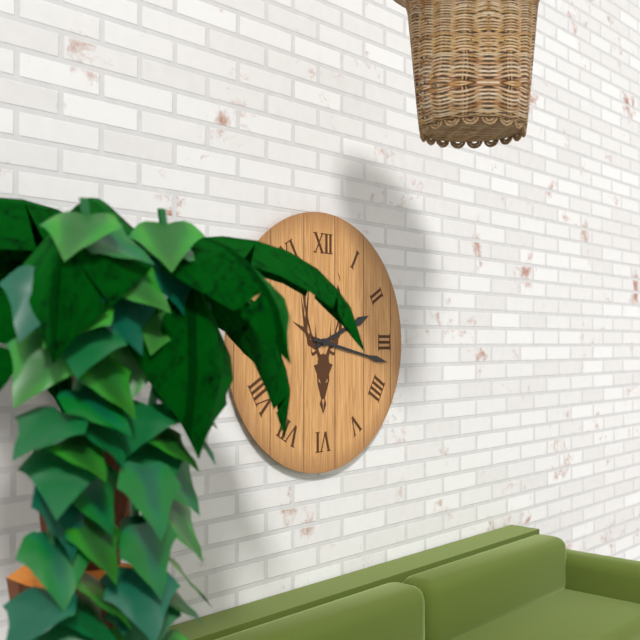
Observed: **2:17**
